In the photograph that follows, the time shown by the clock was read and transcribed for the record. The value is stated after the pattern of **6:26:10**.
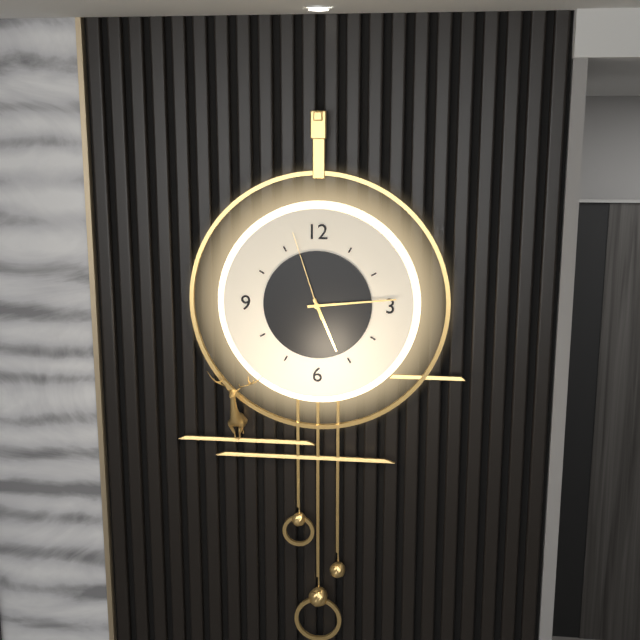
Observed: **5:14:57**
